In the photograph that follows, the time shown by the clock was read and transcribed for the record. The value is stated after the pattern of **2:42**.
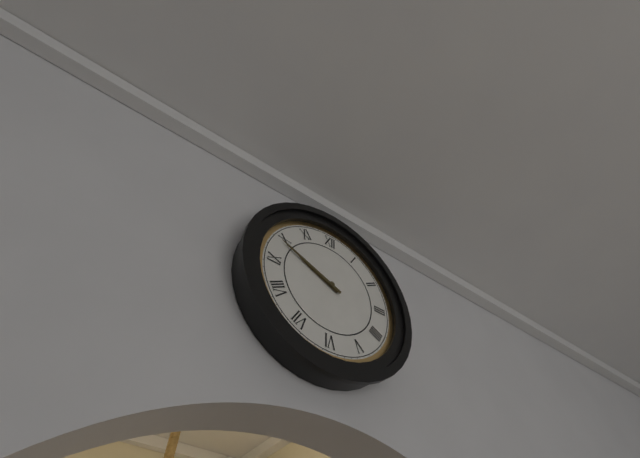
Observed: **9:49**
